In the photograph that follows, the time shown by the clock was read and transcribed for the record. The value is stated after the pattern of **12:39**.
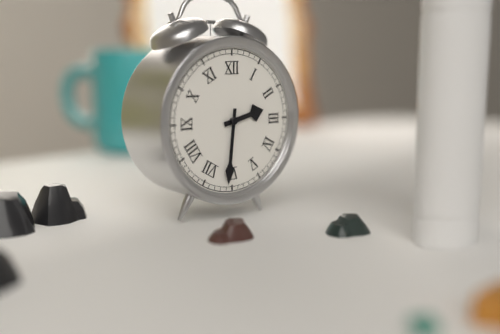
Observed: **2:31**
